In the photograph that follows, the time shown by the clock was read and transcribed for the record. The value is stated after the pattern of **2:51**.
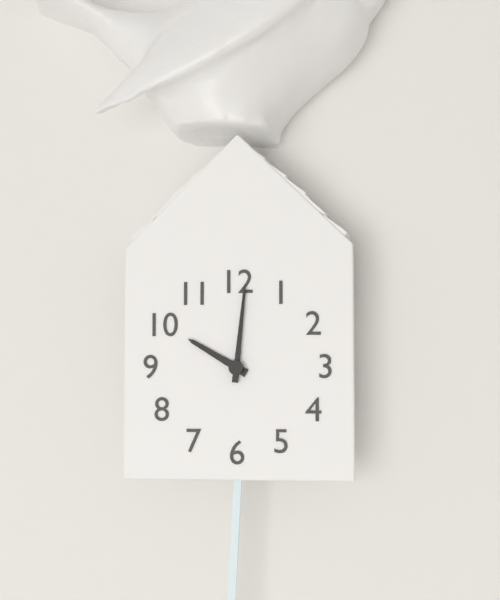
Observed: **10:01**
